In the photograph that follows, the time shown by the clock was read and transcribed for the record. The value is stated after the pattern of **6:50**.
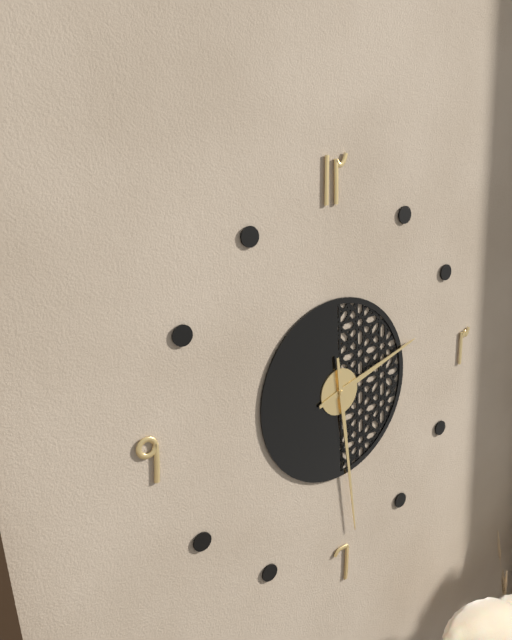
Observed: **2:29**
